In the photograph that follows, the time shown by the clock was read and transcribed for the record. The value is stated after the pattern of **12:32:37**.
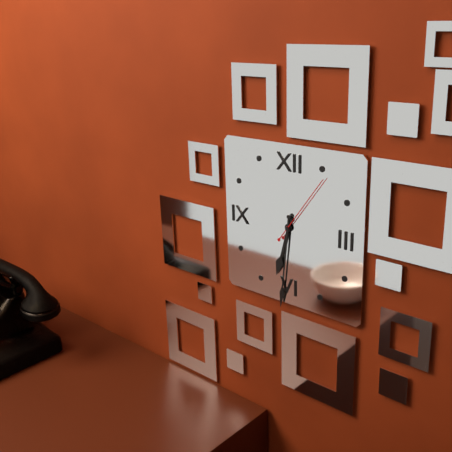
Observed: **6:31:06**
